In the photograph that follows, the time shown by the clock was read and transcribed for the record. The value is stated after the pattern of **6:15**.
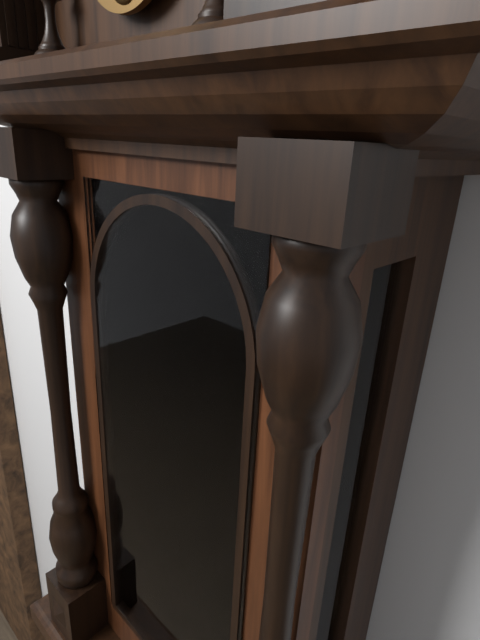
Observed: **10:23**
